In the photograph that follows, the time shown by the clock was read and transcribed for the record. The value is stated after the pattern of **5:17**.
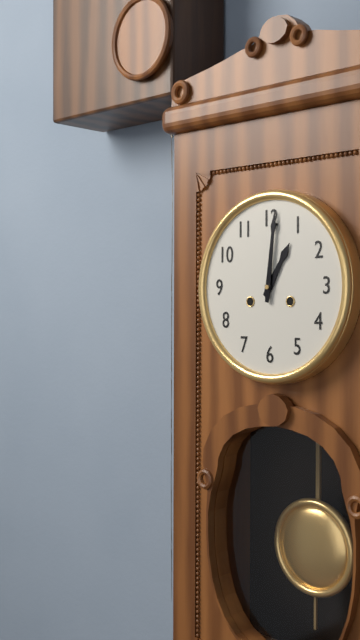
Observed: **1:01**
